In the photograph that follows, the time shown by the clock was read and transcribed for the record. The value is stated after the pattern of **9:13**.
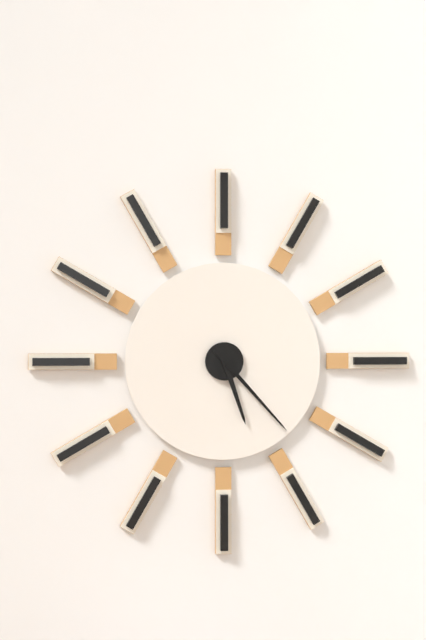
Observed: **5:23**
